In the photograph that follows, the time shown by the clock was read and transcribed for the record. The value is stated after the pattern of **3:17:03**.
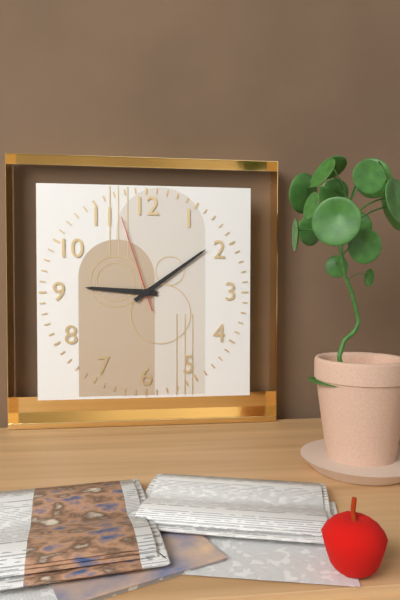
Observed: **9:09:57**
